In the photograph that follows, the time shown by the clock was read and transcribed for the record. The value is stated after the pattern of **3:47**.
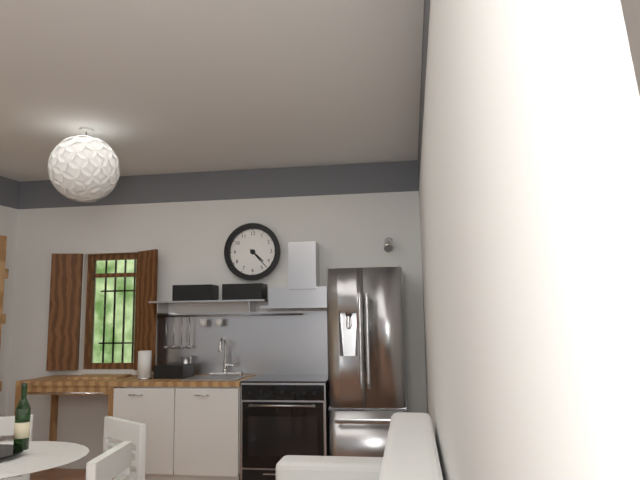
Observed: **4:23**
